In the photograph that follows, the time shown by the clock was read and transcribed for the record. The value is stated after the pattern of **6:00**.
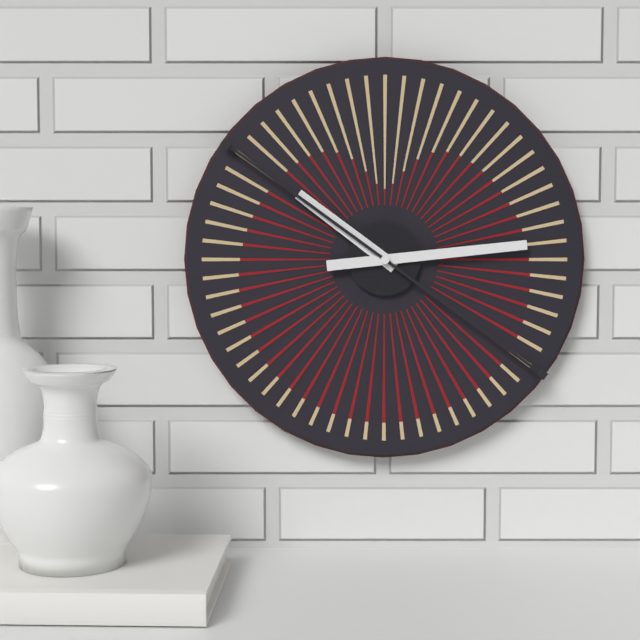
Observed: **10:14**
